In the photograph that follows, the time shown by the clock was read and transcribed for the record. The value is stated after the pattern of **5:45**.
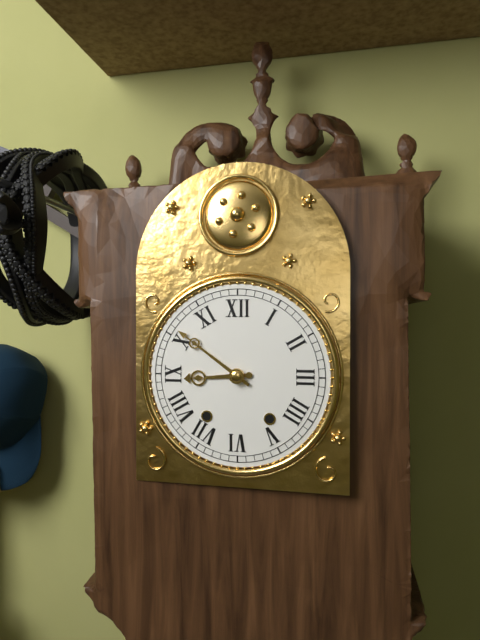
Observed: **8:51**
